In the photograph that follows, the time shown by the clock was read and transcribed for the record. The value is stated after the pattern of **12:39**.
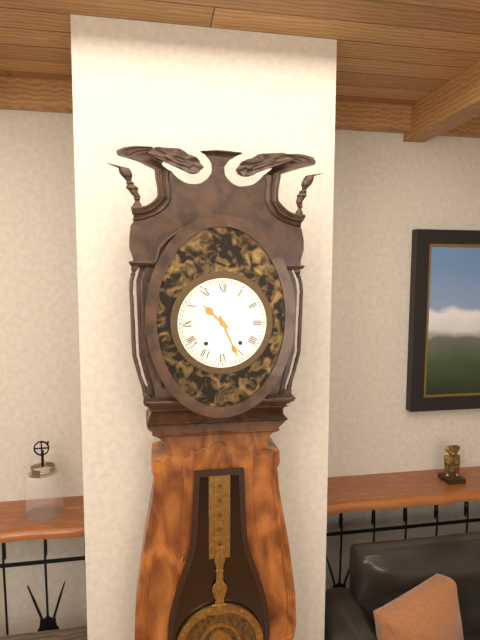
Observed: **10:26**
